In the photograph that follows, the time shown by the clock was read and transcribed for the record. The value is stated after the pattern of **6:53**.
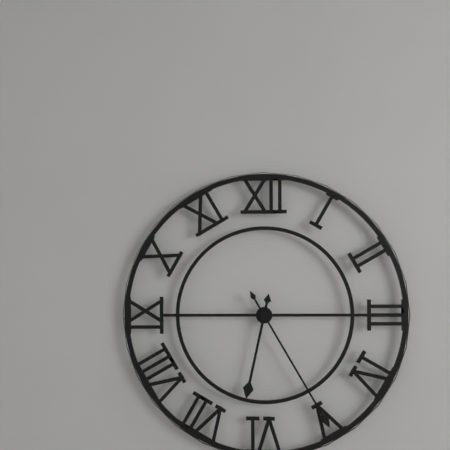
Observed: **6:25**
